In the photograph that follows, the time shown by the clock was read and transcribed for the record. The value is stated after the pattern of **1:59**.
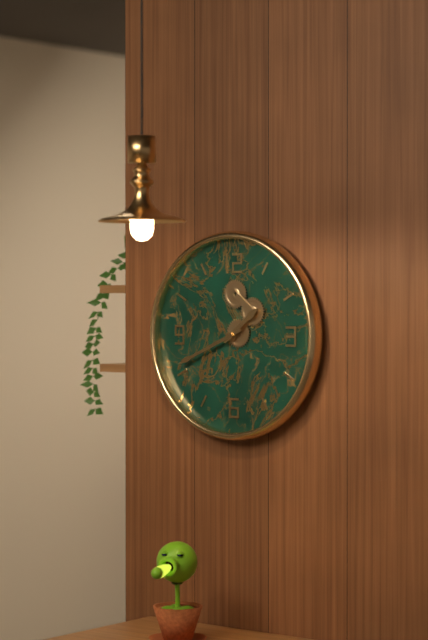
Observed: **1:41**
